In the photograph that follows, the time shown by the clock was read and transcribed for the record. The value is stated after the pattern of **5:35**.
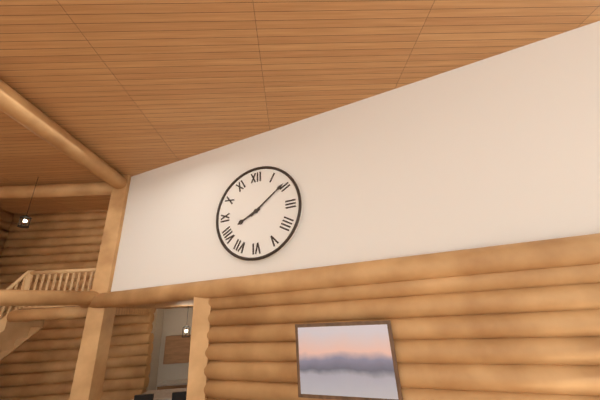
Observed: **8:09**
